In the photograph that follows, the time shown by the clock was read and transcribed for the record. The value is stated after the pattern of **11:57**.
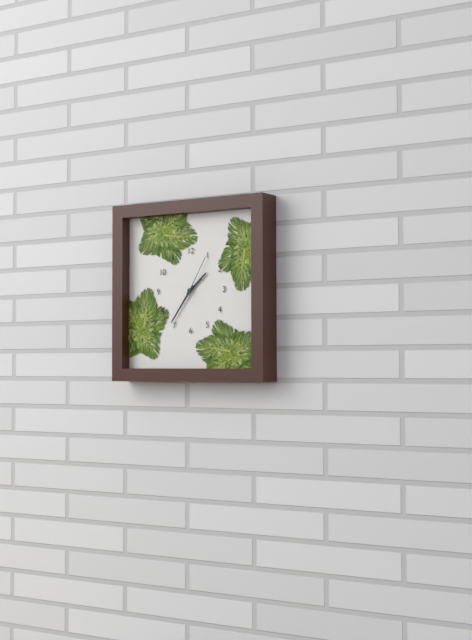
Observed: **1:36**
